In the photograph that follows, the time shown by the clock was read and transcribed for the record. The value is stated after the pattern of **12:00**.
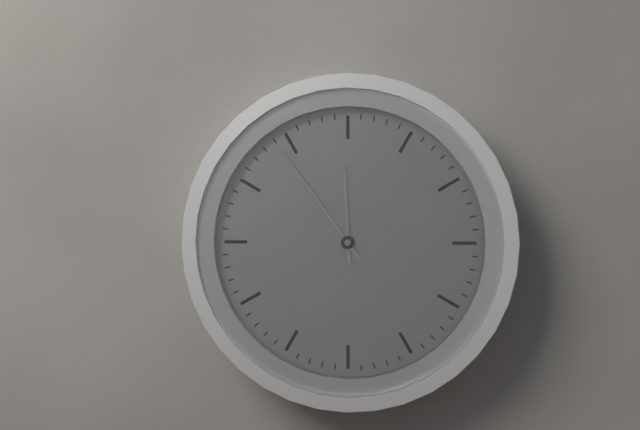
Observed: **11:54**
